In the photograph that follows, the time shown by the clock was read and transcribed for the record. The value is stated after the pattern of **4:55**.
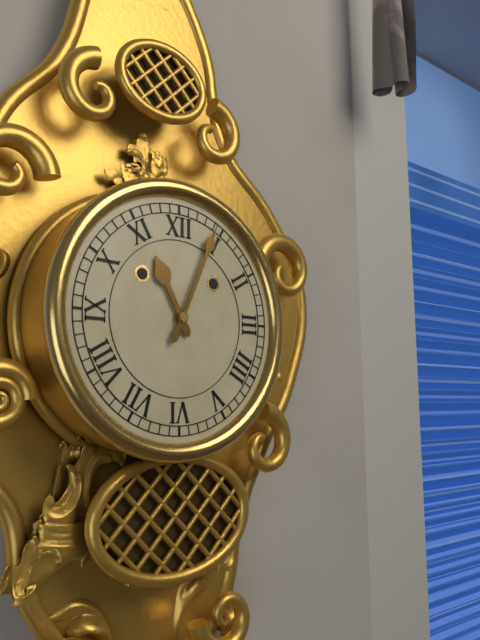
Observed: **11:04**
